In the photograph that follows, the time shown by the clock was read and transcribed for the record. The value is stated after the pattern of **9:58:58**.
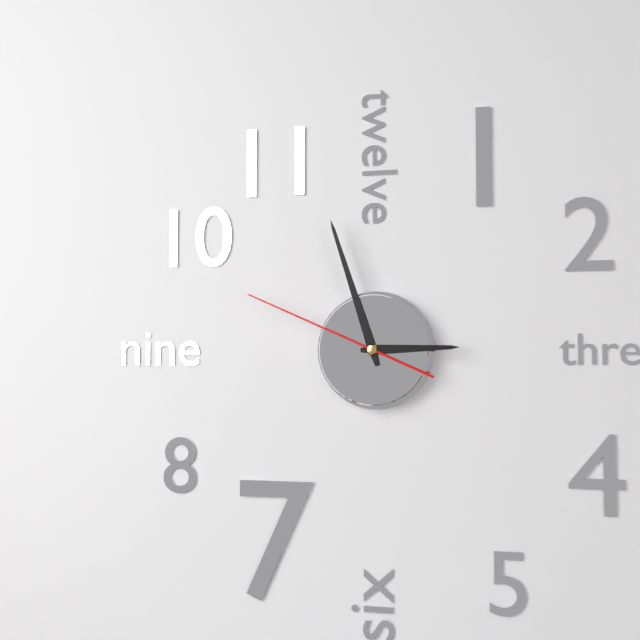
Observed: **2:57:49**
